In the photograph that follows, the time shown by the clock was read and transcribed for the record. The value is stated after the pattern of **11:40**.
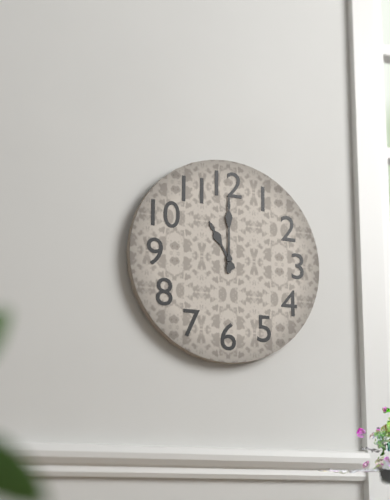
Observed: **11:00**
